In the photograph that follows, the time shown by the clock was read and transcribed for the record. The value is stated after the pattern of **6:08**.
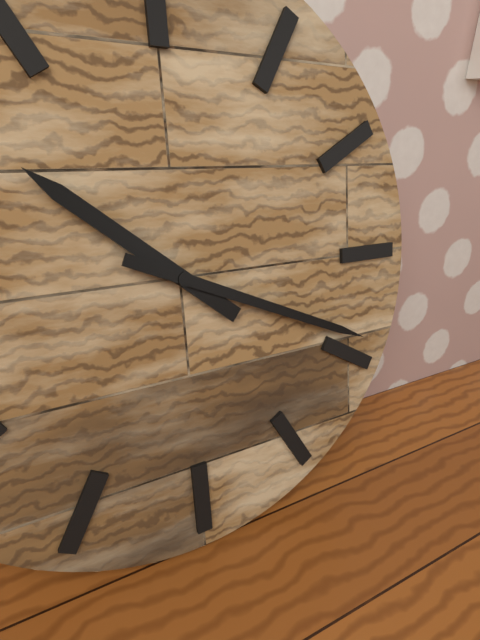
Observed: **10:19**
